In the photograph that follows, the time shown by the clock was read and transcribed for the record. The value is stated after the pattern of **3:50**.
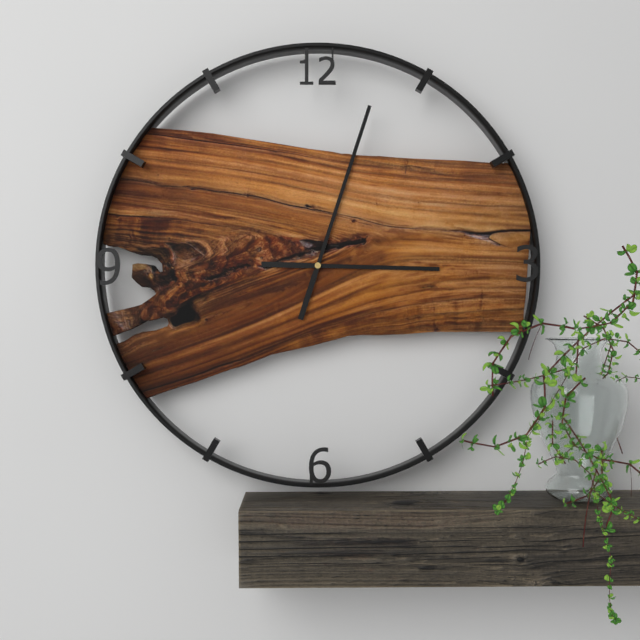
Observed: **3:03**
